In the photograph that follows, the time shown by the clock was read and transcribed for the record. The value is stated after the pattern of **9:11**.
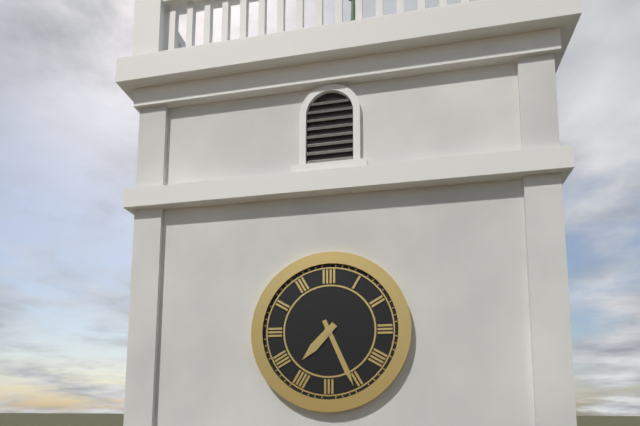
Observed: **7:26**
